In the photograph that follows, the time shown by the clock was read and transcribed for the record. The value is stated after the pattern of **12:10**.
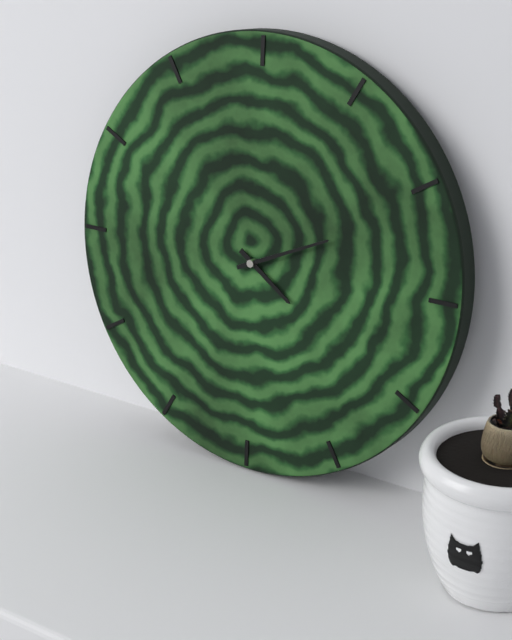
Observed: **4:11**
